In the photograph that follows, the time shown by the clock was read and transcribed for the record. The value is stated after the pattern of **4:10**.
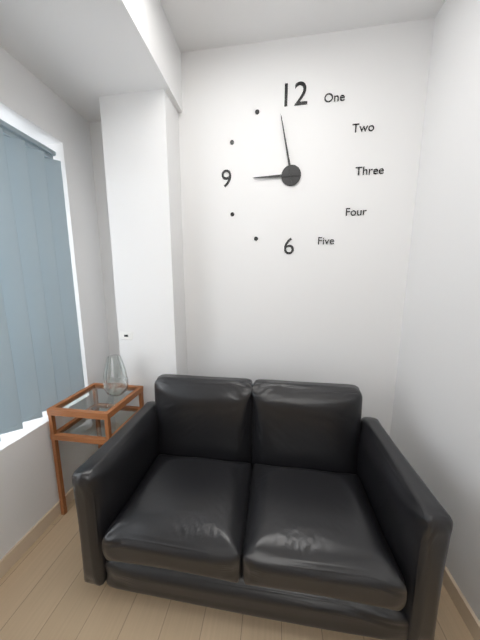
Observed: **8:58**
